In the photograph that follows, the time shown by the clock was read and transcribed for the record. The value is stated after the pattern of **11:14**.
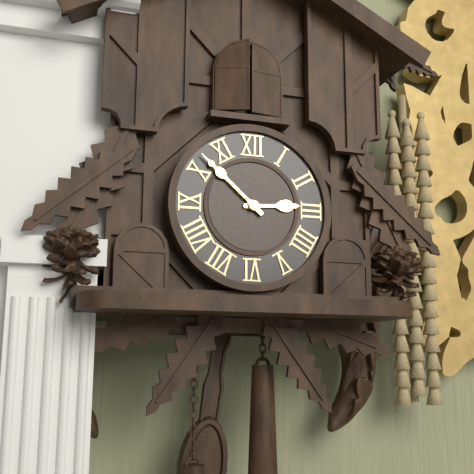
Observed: **2:52**
